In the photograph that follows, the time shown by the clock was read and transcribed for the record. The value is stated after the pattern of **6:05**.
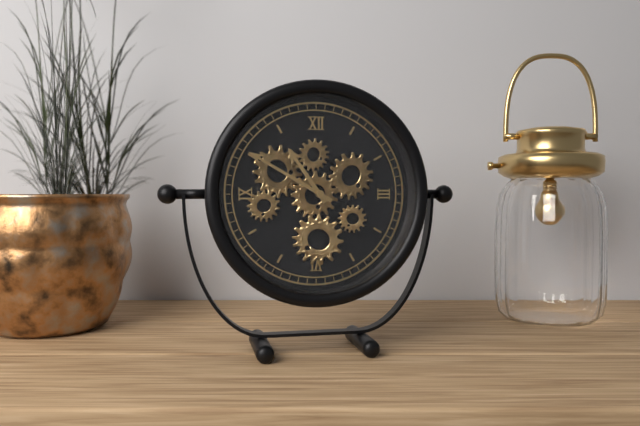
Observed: **10:50**
